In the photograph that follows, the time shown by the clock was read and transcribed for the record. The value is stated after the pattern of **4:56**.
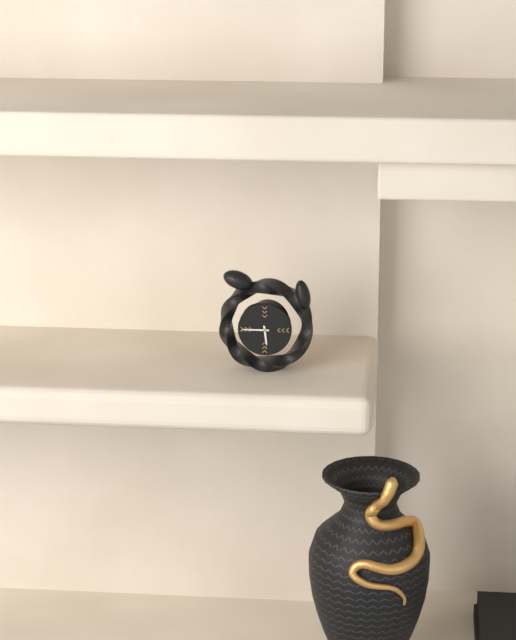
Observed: **5:45**
